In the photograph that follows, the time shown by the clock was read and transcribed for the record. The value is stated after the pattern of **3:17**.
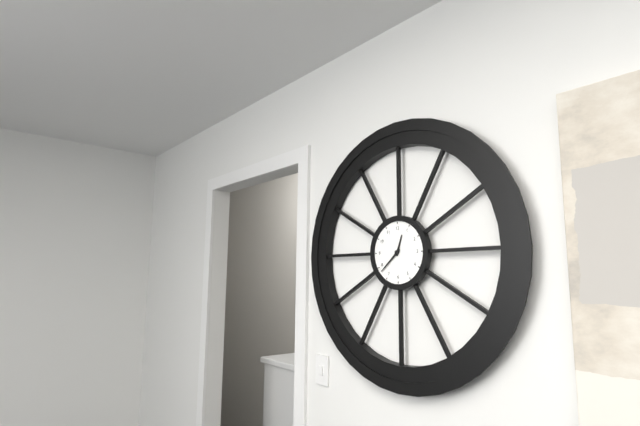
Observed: **12:38**
